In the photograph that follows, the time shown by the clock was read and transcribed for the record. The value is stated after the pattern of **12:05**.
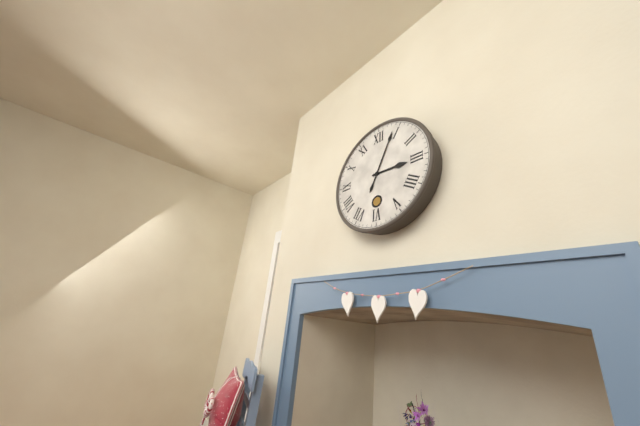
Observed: **3:04**
